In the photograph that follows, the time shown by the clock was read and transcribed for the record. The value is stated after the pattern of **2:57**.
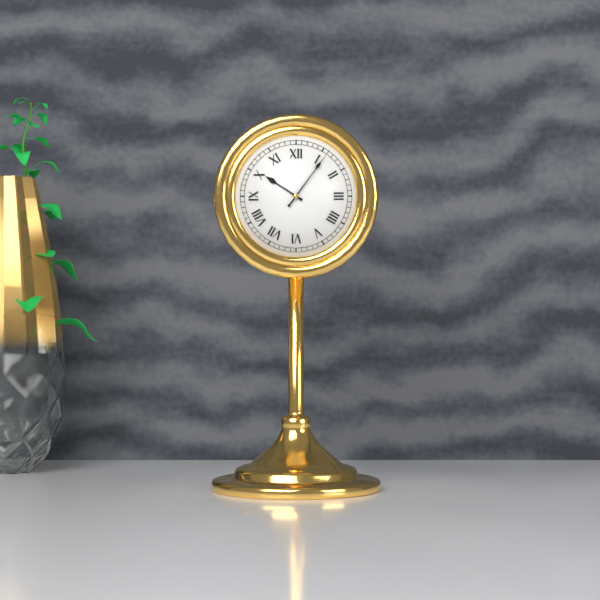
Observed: **10:06**
